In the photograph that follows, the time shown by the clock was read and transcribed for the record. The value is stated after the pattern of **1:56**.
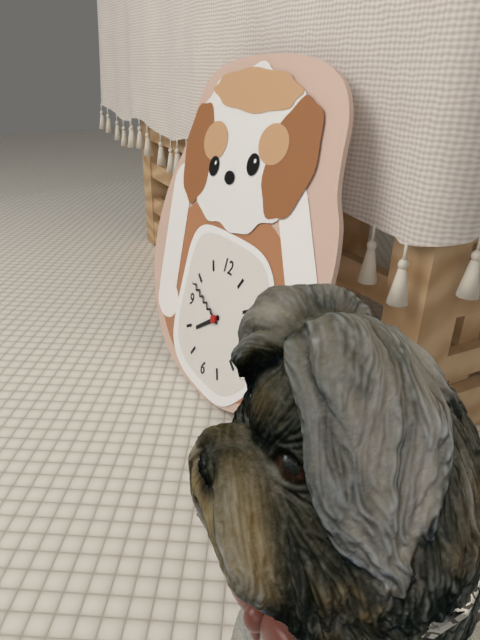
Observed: **7:48**
